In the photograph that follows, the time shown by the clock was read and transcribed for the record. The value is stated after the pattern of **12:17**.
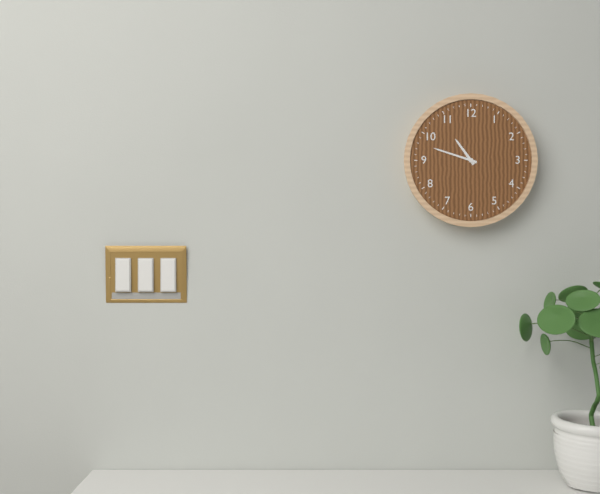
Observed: **10:48**
